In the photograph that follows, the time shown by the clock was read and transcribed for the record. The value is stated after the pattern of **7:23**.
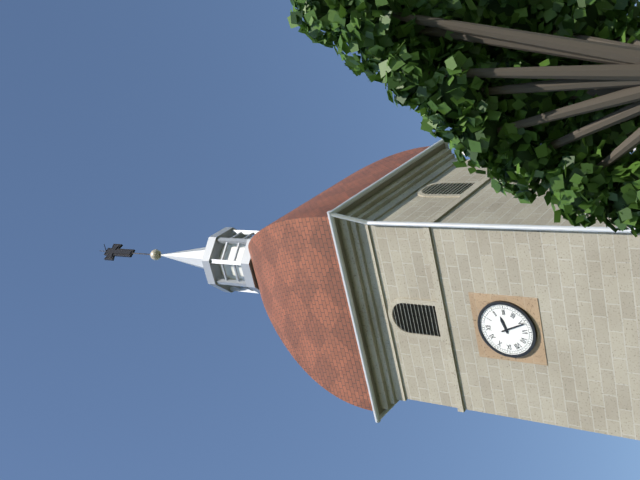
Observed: **2:26**
